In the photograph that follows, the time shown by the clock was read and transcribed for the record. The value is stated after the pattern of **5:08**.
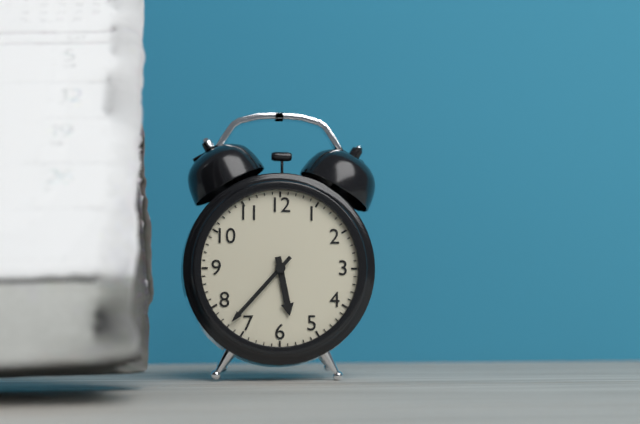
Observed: **5:37**
